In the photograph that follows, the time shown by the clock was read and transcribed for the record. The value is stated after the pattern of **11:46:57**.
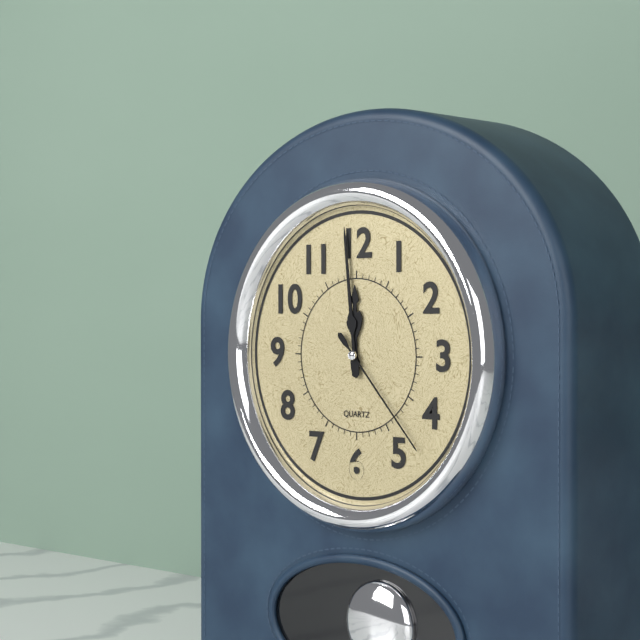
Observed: **11:59:23**
